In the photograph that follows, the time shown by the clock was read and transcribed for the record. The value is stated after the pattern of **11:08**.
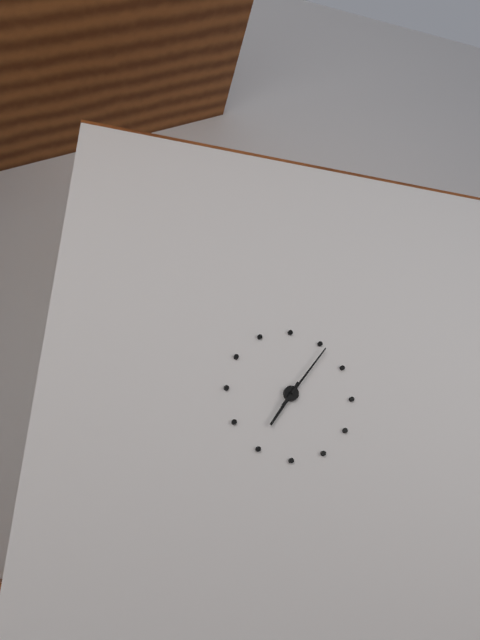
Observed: **7:06**
